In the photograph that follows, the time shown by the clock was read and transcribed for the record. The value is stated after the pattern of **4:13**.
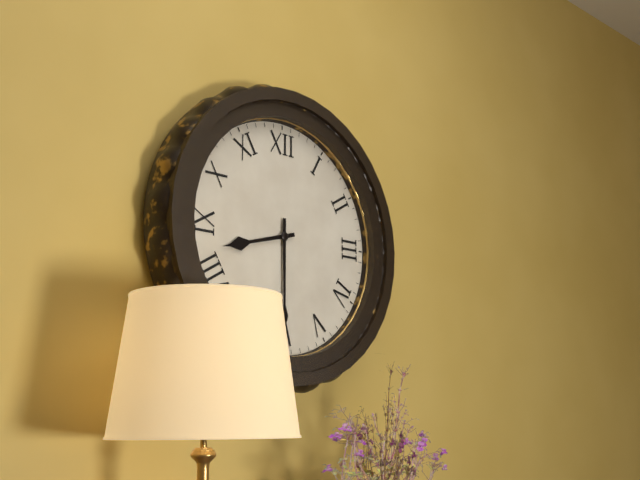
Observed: **8:30**
